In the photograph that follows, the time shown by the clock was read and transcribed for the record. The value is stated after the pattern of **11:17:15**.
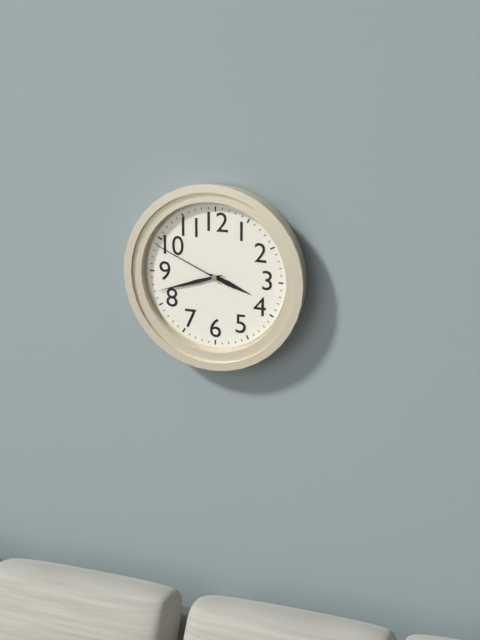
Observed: **3:42:49**
